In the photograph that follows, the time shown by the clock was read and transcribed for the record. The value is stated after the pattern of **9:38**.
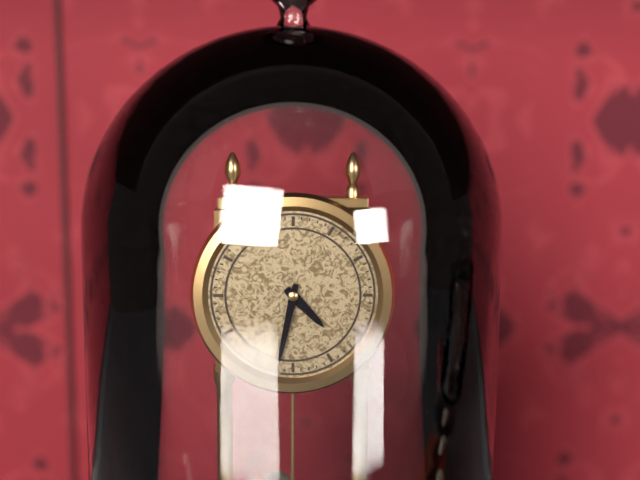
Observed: **4:32**
